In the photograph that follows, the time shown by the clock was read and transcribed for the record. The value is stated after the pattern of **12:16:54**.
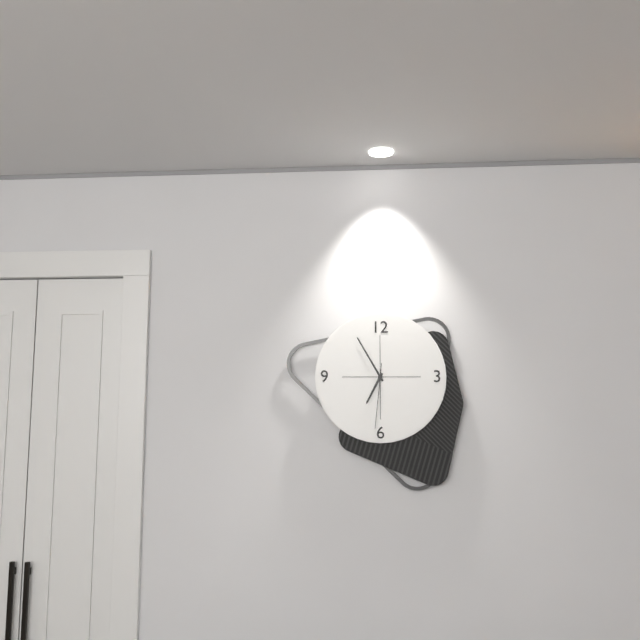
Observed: **6:55:31**
